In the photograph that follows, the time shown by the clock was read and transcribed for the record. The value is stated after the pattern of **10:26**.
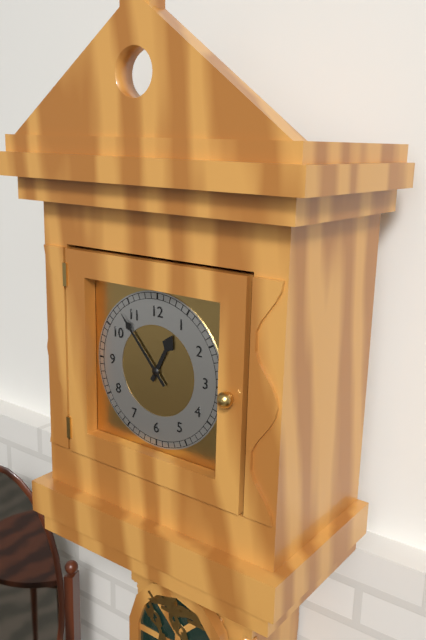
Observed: **12:53**
